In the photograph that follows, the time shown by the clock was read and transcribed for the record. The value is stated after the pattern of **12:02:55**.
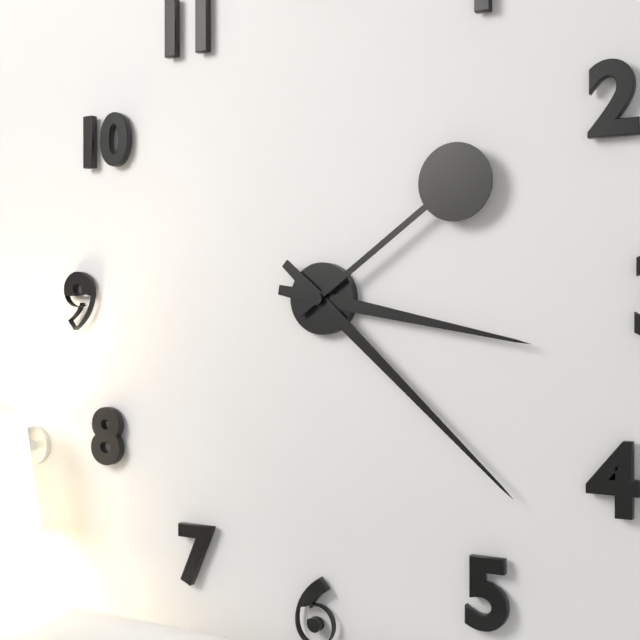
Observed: **3:22:09**
